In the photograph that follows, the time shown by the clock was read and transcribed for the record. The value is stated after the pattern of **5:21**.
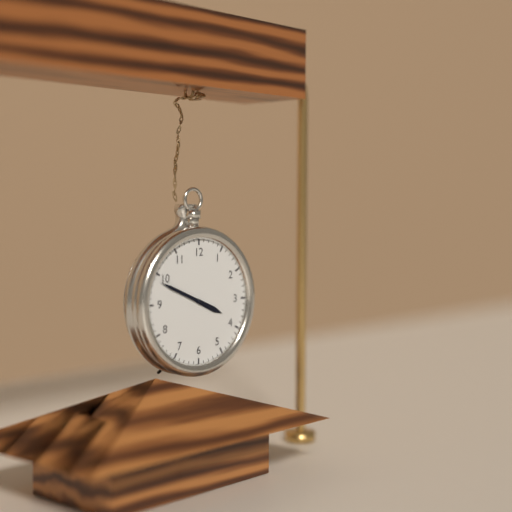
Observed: **3:49**
